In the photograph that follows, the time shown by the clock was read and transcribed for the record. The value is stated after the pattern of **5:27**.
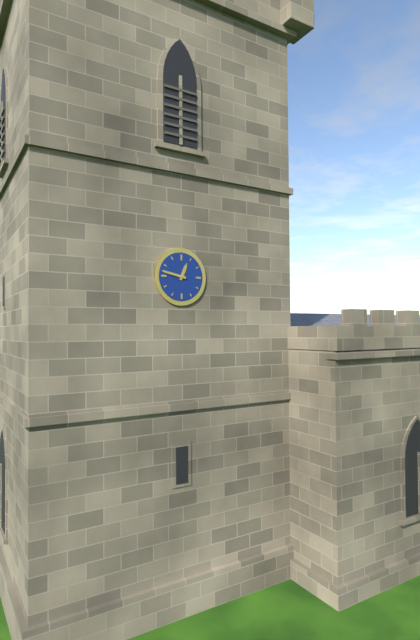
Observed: **12:47**
